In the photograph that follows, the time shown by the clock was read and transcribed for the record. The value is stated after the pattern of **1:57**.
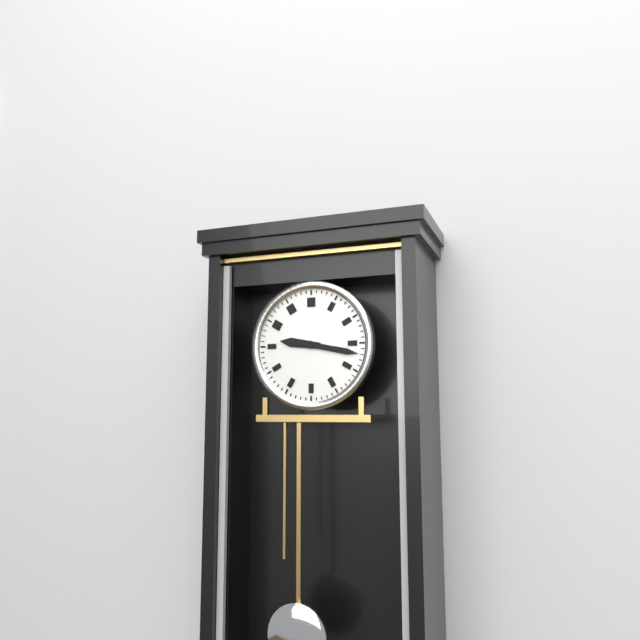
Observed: **9:17**
